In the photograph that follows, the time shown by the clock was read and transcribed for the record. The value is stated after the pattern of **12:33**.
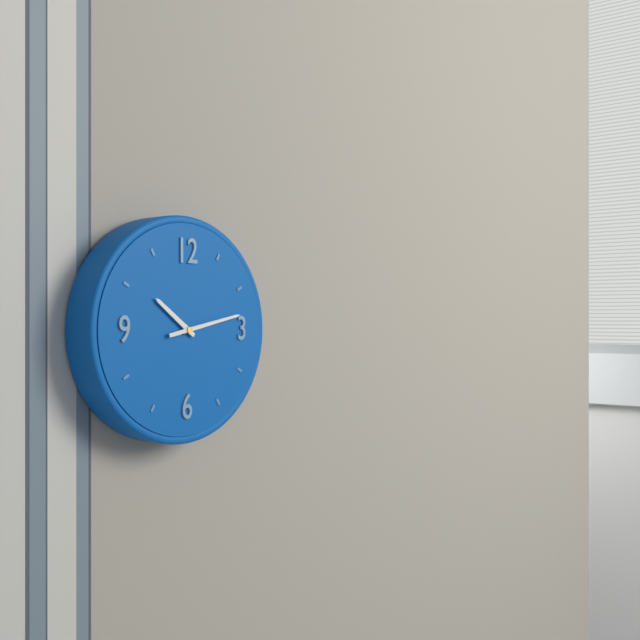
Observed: **10:13**
